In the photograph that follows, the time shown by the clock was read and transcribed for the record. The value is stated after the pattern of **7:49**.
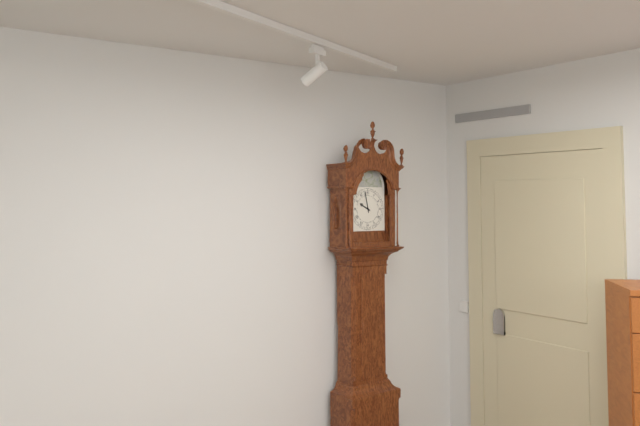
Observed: **9:58**
